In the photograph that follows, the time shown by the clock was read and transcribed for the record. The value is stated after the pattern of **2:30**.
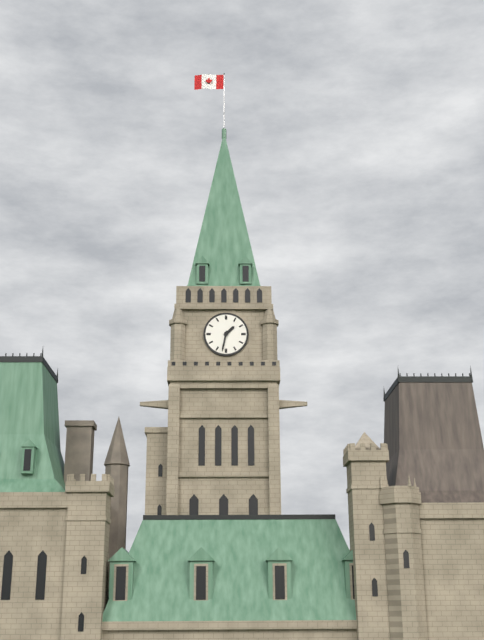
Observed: **1:32**
